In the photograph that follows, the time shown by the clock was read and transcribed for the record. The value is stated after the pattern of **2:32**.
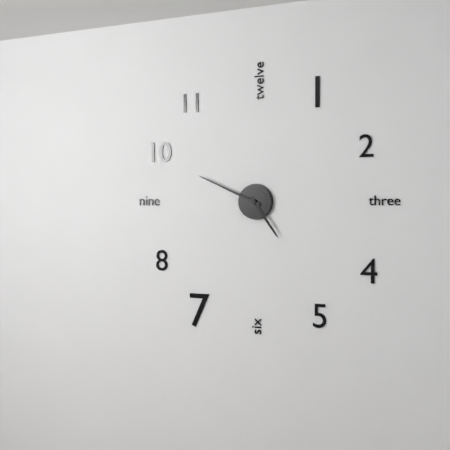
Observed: **4:49**
